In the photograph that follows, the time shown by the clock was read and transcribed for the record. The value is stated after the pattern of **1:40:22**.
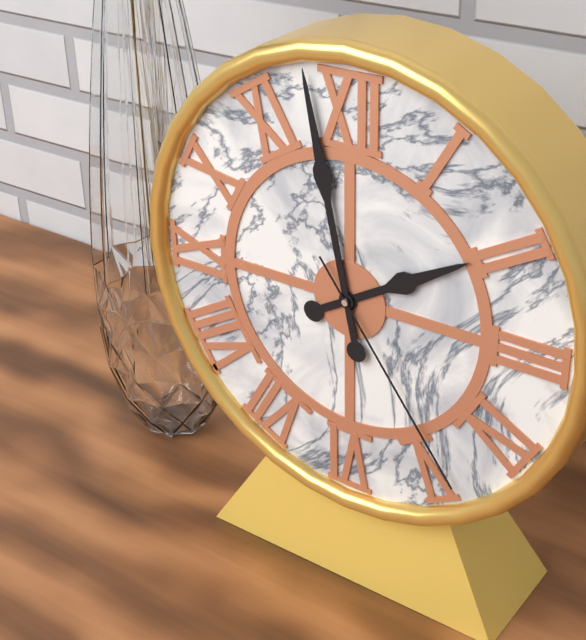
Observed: **1:58:24**
